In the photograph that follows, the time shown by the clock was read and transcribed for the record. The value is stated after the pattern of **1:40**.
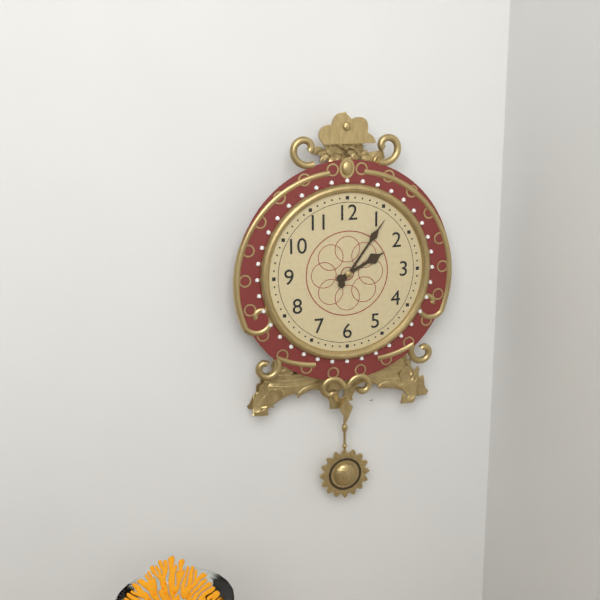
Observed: **2:06**
